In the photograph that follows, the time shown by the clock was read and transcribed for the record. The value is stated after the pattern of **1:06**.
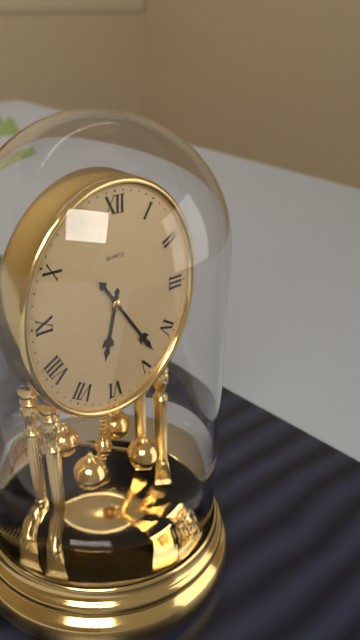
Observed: **6:24**
